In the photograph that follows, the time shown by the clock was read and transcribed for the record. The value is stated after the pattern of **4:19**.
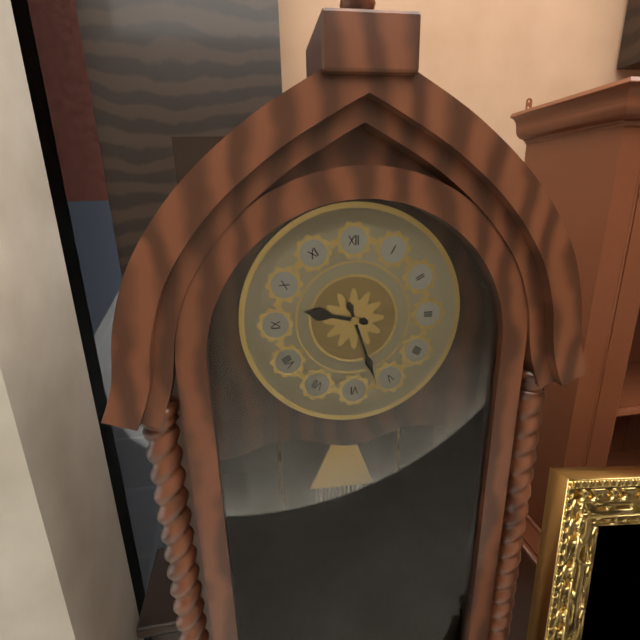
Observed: **9:27**
